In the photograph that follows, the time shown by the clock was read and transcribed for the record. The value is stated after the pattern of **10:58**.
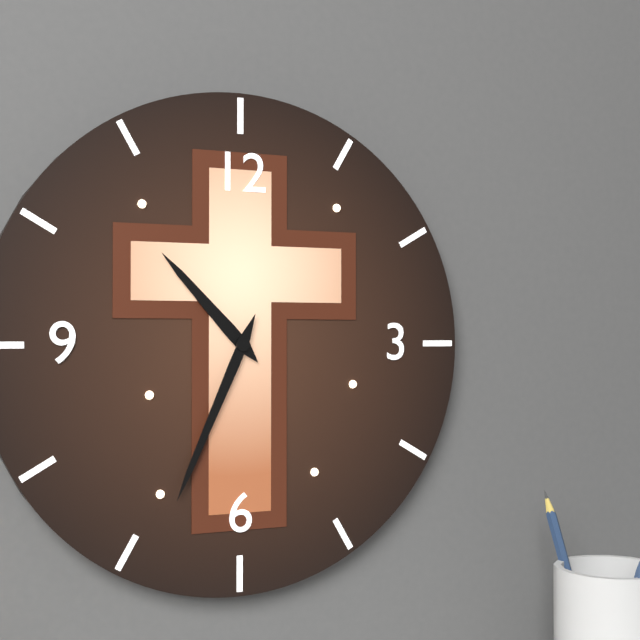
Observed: **10:34**
